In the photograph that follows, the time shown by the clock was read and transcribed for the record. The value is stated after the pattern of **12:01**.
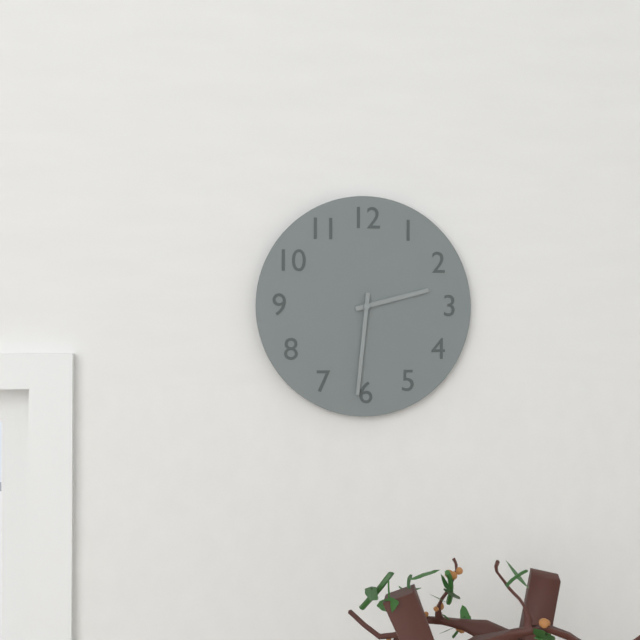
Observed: **2:31**
